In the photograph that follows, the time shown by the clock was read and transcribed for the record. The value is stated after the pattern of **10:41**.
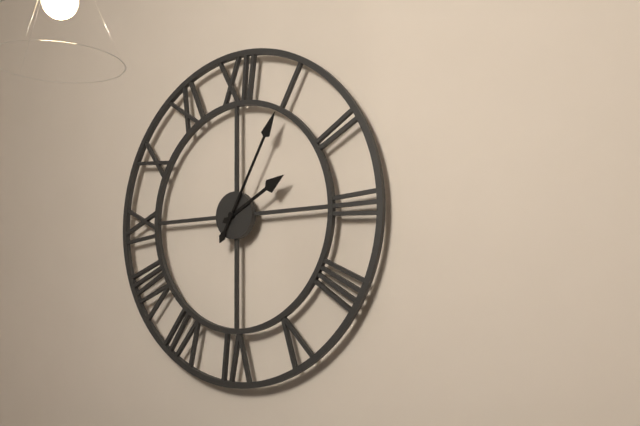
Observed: **2:05**
